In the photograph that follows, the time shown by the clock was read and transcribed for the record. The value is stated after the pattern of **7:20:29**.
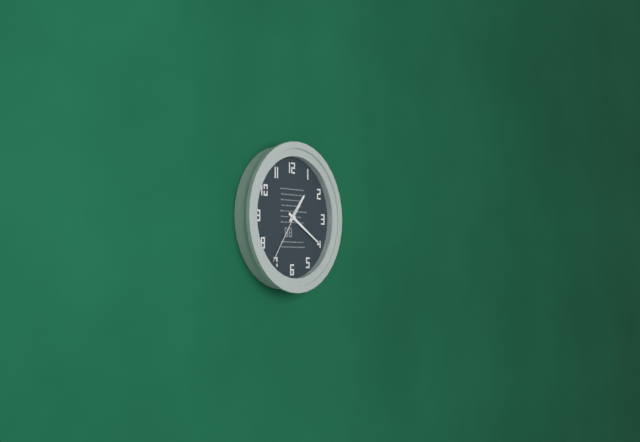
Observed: **1:20:36**
